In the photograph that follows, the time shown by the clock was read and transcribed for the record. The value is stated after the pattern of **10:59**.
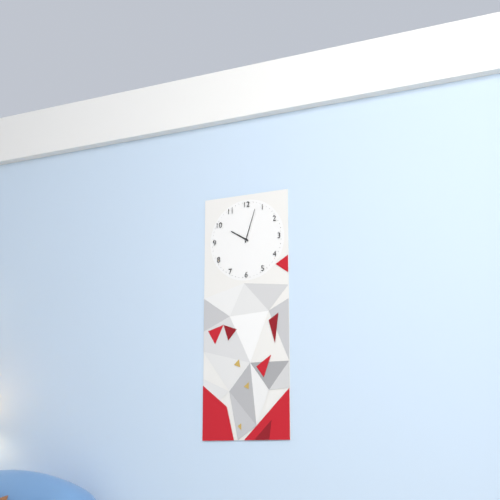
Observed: **10:03**
